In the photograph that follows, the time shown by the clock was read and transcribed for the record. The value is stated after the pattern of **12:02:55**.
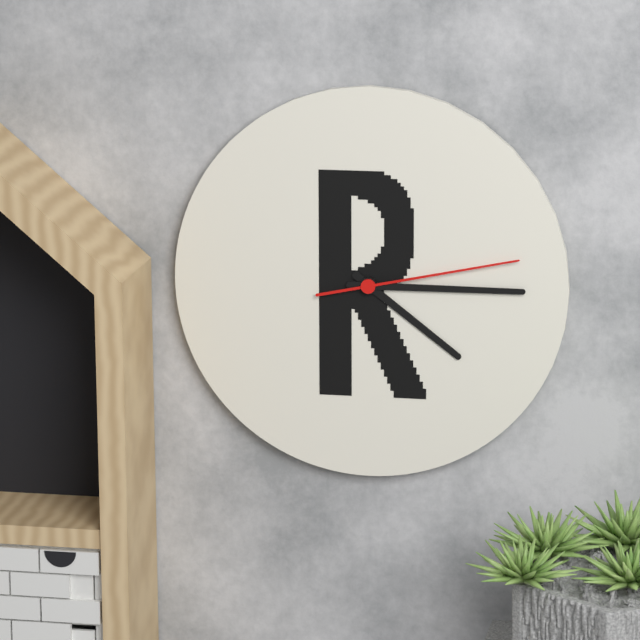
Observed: **4:15:13**
